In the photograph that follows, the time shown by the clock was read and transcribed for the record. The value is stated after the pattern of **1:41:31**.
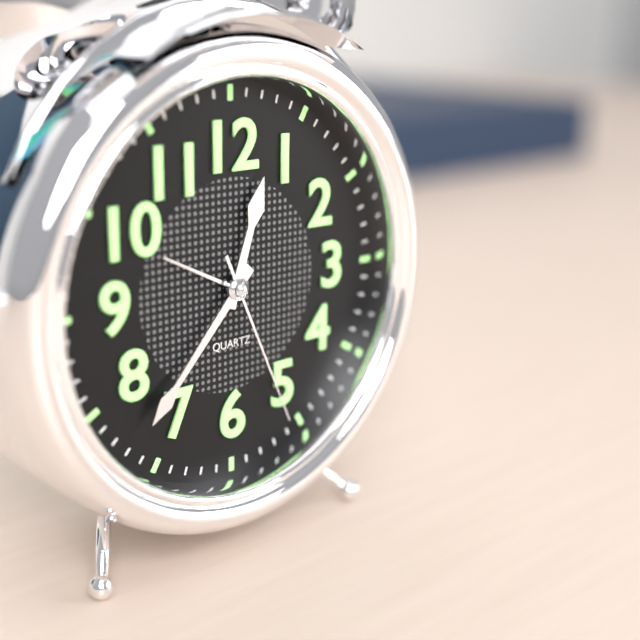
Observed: **12:37:26**
